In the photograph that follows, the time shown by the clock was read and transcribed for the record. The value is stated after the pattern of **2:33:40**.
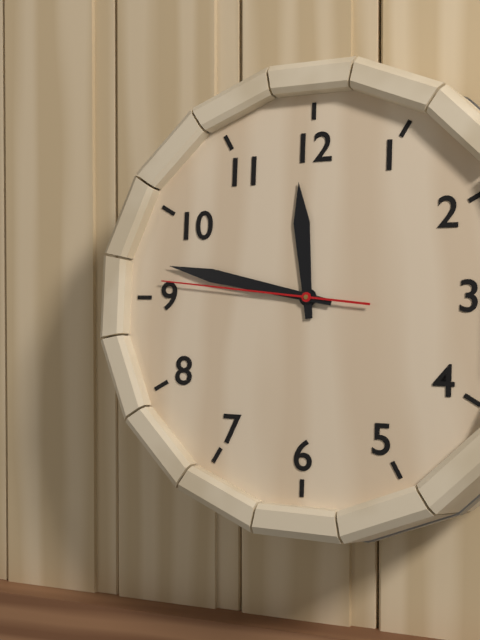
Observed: **11:47:46**
